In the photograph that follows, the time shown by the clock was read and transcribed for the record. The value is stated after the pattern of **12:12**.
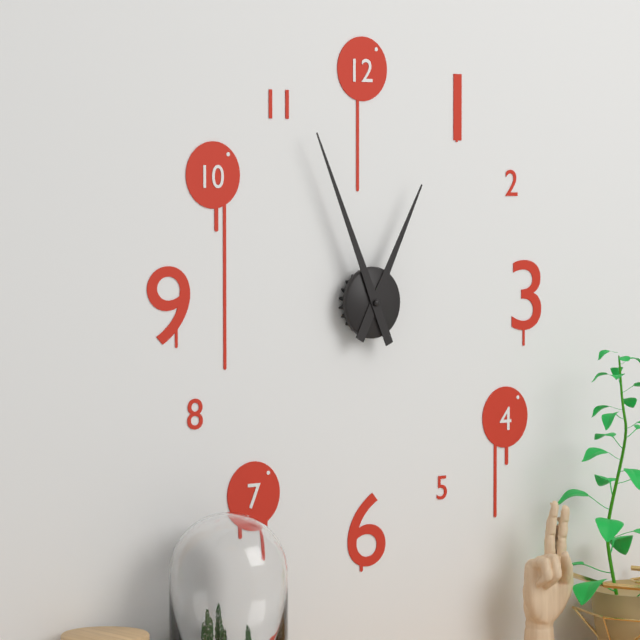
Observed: **12:56**
